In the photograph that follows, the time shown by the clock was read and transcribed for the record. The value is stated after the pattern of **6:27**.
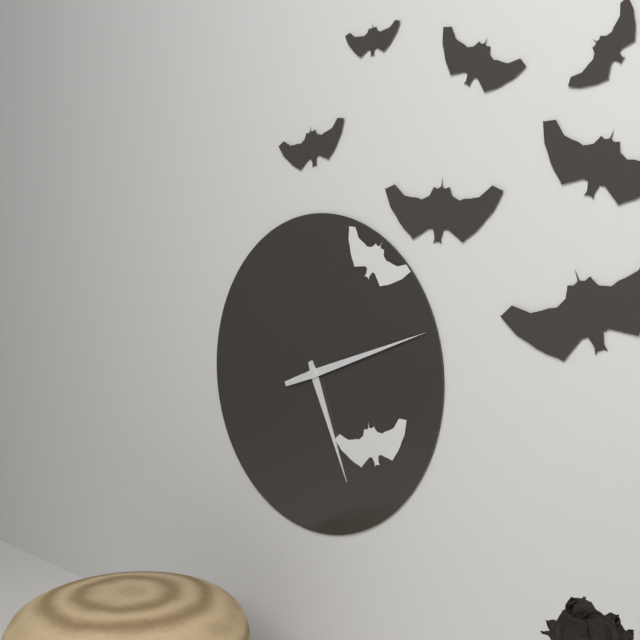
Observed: **5:12**
